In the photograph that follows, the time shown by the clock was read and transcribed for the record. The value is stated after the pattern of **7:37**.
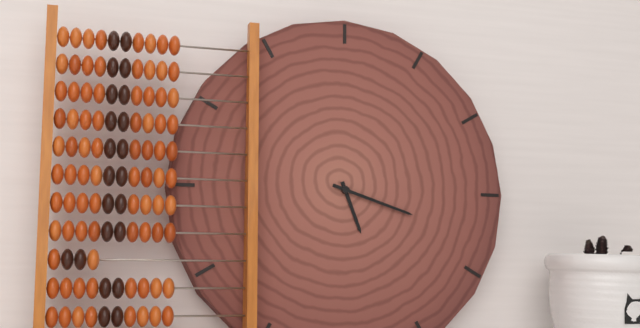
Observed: **5:18**
